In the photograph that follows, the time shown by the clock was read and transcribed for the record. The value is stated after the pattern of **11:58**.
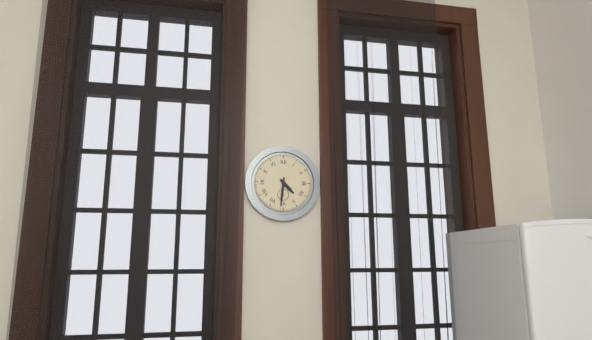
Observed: **4:31**
